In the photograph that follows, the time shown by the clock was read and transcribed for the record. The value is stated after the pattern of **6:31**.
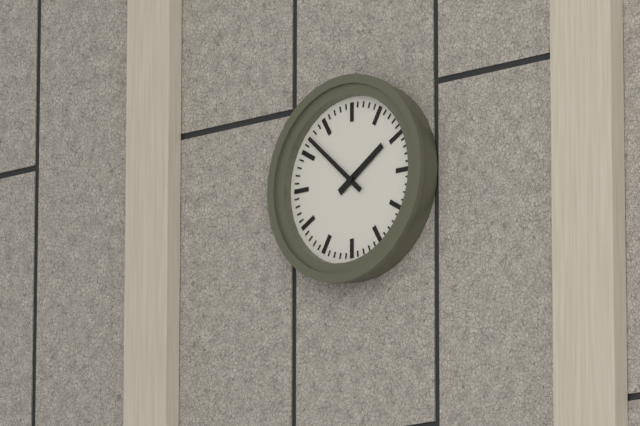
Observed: **1:52**
